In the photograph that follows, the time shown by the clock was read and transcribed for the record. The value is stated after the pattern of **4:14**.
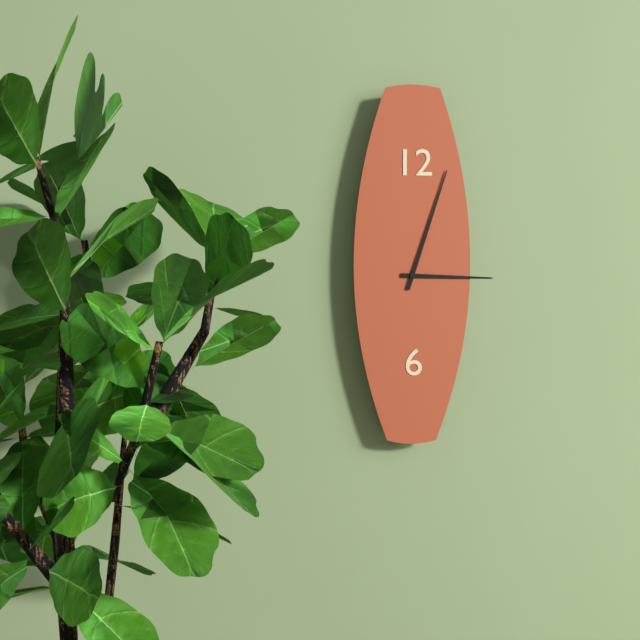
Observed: **3:03**
